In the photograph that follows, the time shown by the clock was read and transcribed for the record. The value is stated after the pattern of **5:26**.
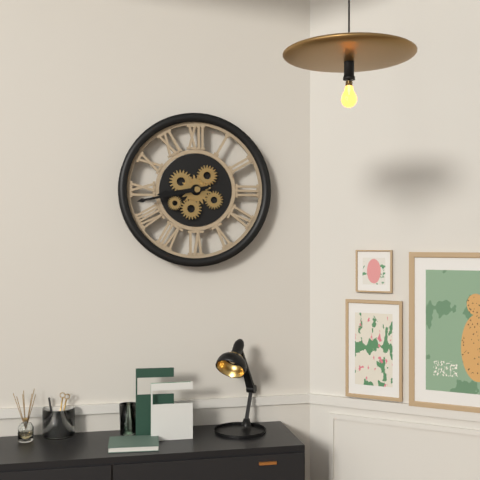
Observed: **8:43**
